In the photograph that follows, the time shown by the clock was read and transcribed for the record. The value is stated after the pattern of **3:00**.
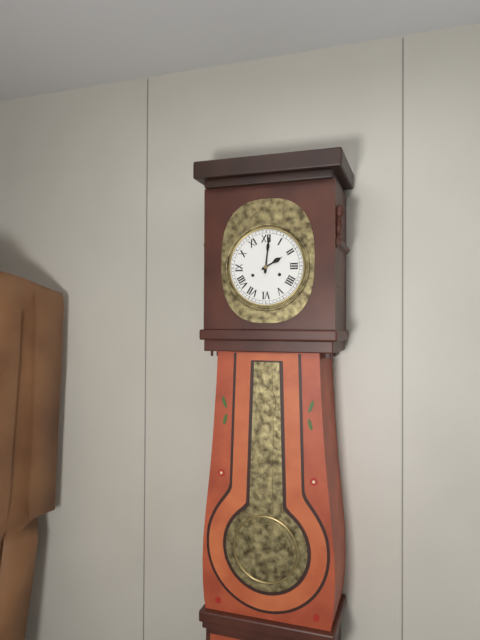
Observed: **2:01**
